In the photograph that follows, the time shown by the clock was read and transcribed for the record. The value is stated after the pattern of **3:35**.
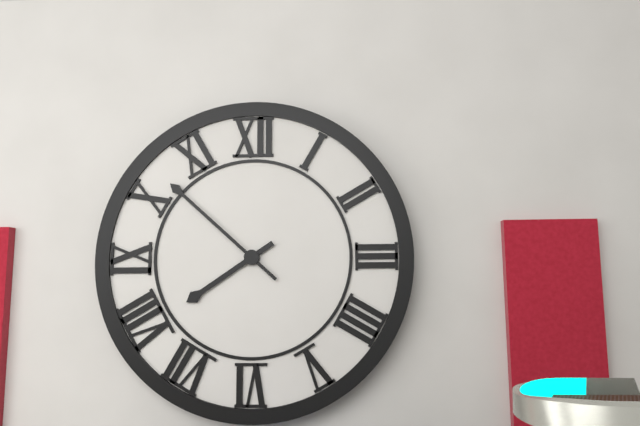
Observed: **7:52**
